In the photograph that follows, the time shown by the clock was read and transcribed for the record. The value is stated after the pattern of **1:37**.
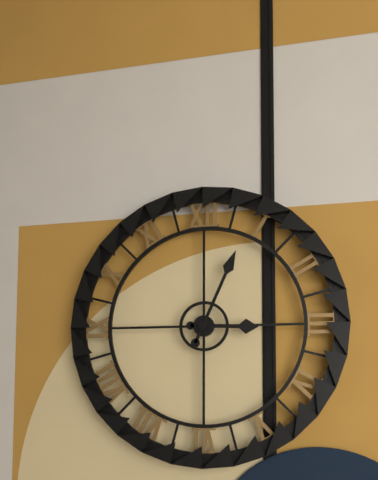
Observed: **3:04**
